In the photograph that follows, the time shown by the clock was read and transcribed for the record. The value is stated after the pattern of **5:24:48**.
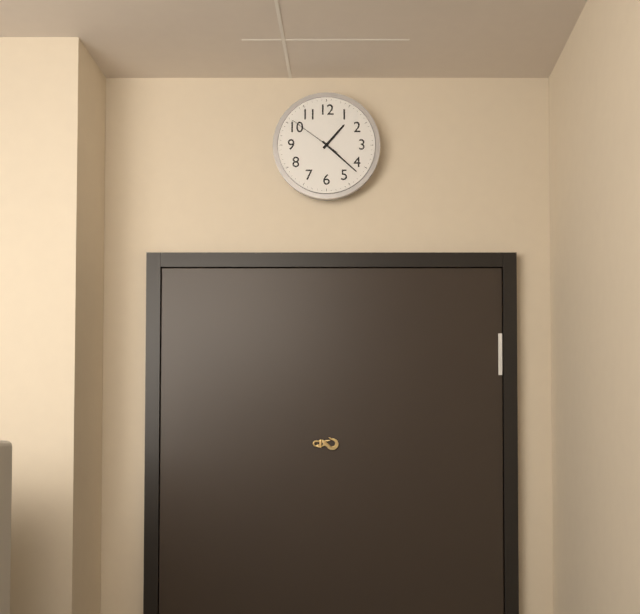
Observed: **1:22:51**
